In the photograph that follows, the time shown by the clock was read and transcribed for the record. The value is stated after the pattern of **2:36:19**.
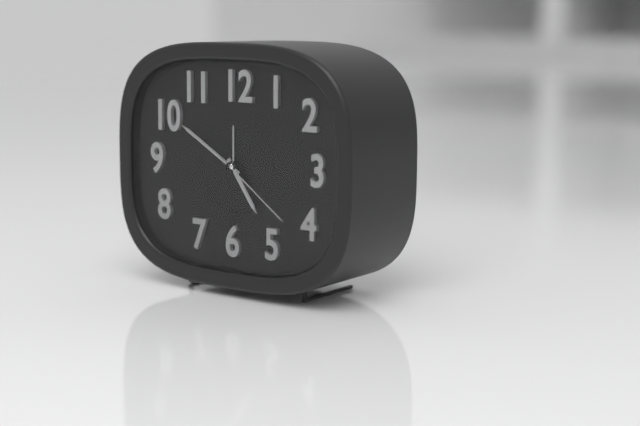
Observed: **4:50:21**
